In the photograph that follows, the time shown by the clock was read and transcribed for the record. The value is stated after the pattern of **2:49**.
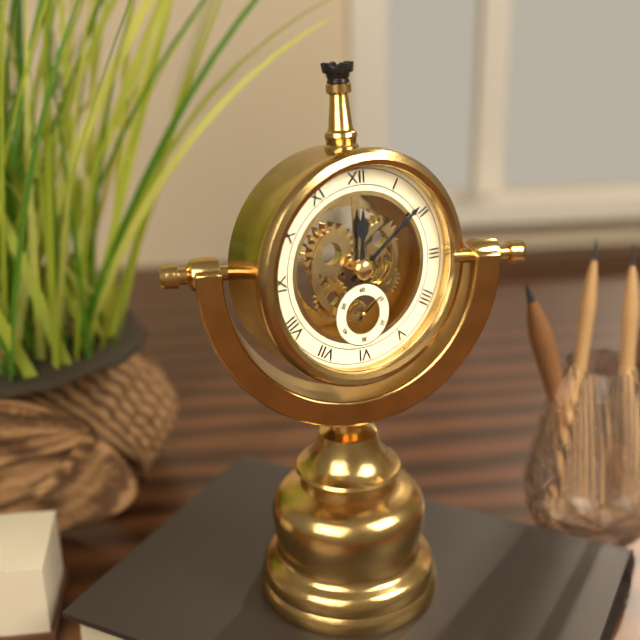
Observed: **12:09**
